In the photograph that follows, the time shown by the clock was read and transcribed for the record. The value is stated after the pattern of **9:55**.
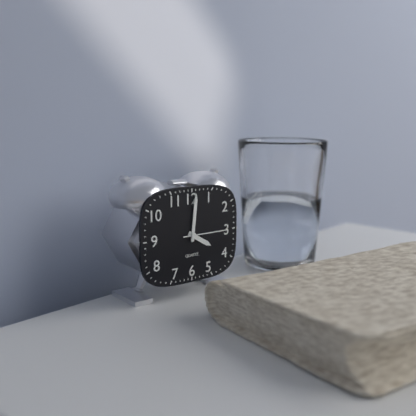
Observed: **4:01**
